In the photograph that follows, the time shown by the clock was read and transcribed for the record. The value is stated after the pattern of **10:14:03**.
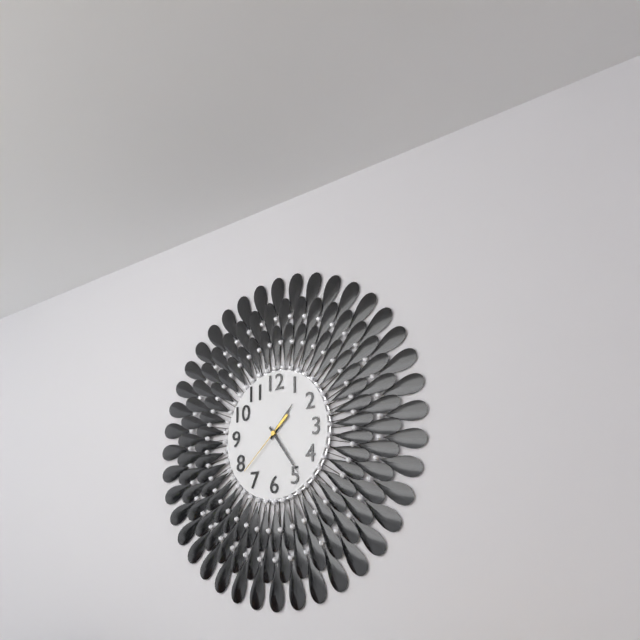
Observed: **1:24:38**
